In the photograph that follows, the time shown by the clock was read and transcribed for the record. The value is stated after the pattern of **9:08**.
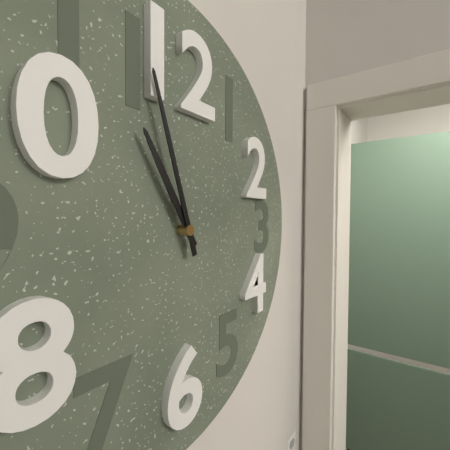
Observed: **10:57**
